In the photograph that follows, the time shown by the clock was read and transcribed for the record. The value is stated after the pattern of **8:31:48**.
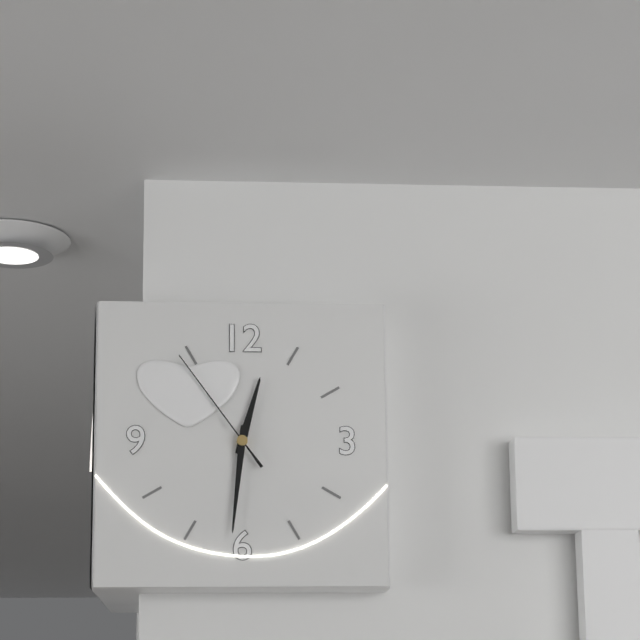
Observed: **12:31:54**
